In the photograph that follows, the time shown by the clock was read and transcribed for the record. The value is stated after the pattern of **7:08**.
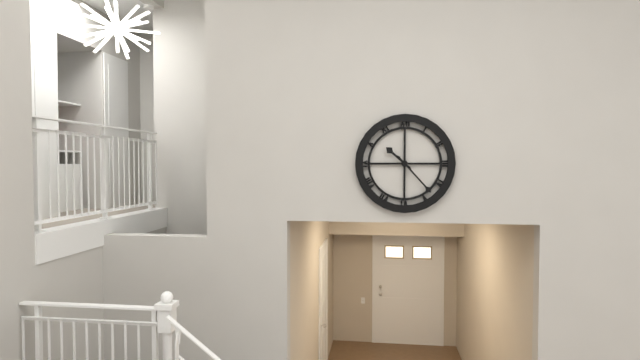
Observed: **10:23**
